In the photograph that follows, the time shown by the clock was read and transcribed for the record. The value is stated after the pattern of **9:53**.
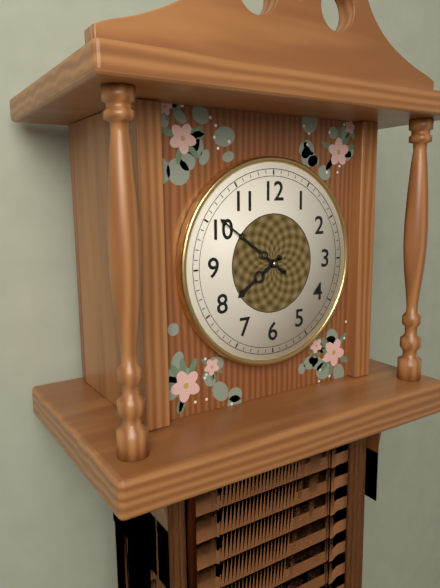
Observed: **7:51**
